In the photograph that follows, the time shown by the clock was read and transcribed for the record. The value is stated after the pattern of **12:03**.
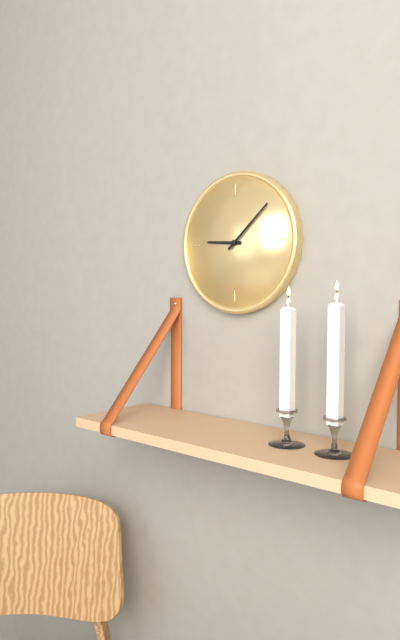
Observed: **9:08**
